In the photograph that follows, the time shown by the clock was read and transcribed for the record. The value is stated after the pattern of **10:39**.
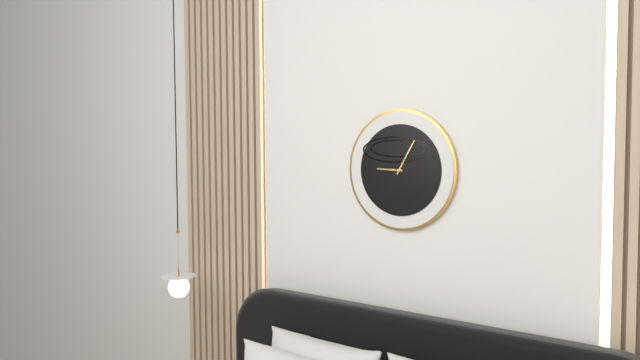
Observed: **9:05**
